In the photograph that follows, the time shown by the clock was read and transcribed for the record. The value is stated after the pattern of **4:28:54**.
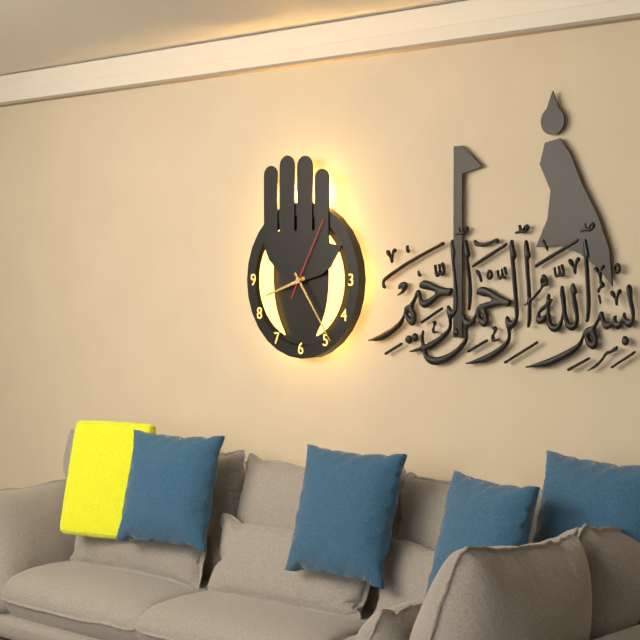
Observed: **8:24:05**
